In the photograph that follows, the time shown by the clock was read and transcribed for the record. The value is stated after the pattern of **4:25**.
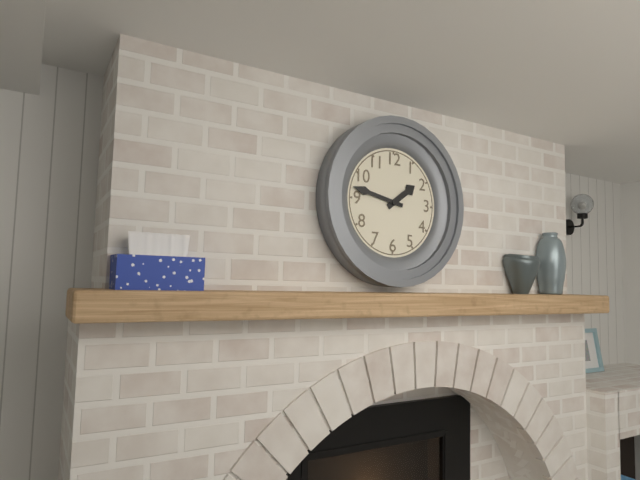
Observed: **1:47**
